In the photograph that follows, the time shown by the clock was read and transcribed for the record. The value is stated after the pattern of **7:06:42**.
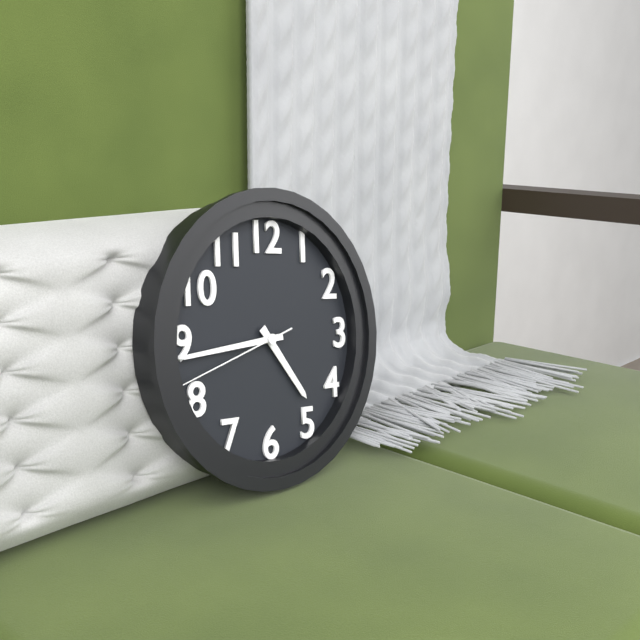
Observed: **4:44:42**
